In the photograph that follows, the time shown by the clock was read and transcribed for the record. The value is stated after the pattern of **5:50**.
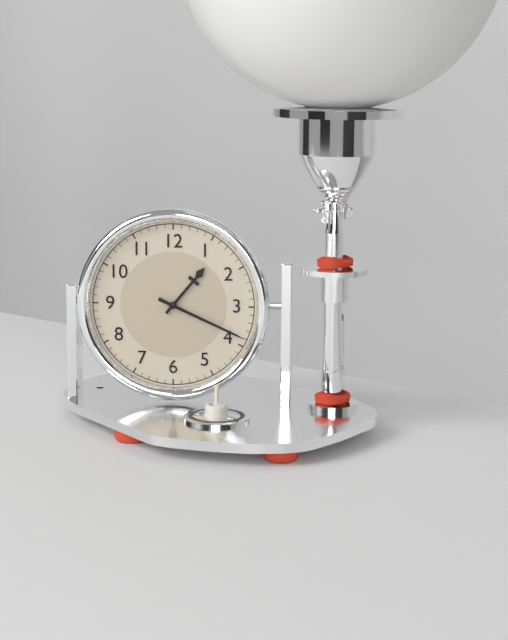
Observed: **1:19**
